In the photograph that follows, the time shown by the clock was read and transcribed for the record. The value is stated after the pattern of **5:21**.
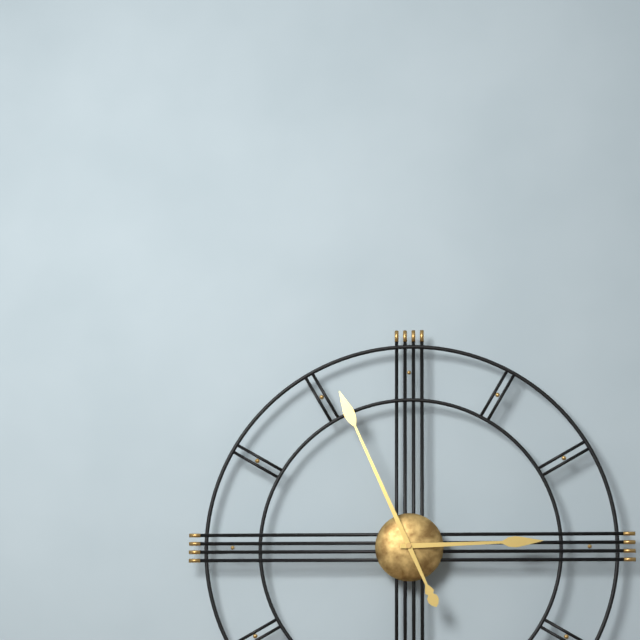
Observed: **2:56**
